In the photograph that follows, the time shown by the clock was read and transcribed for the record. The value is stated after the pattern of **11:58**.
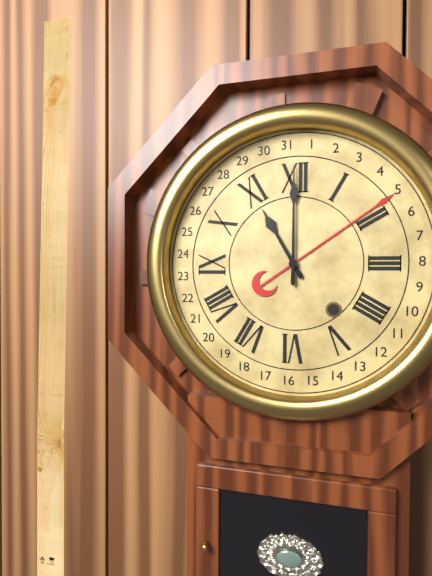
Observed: **11:00**
